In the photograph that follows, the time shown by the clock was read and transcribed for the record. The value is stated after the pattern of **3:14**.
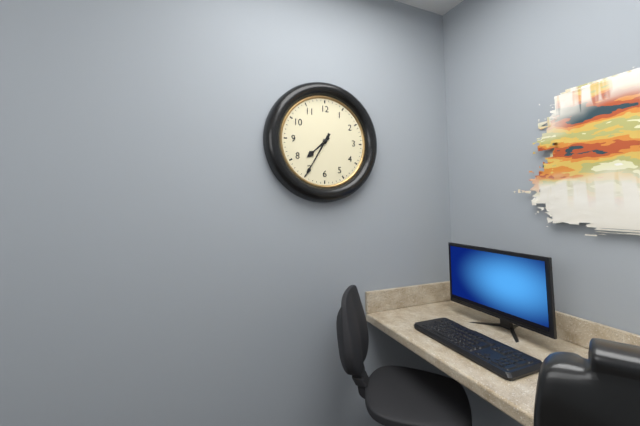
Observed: **7:35**
